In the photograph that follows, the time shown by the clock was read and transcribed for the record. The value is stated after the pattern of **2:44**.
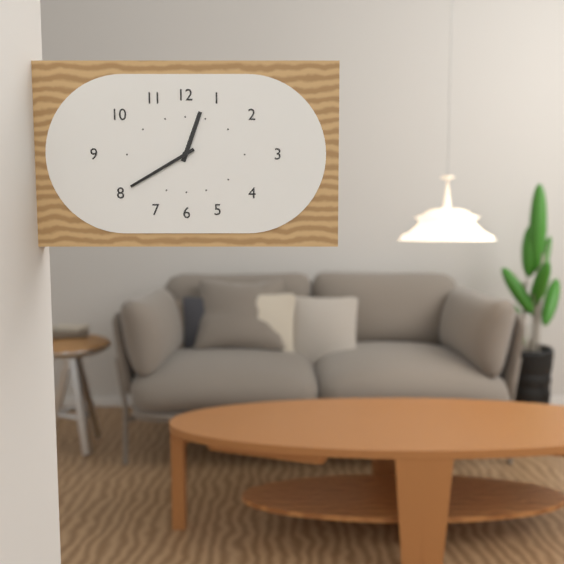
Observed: **12:40**
